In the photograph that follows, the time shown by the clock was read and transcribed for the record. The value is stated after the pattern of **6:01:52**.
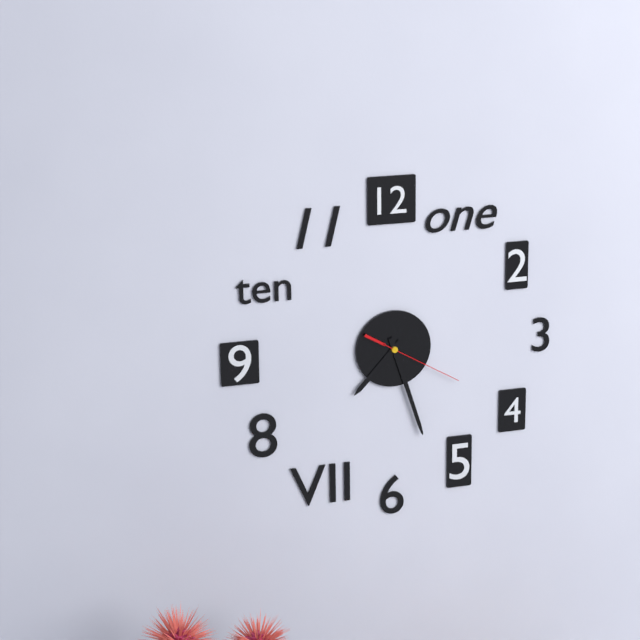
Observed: **7:27:20**
